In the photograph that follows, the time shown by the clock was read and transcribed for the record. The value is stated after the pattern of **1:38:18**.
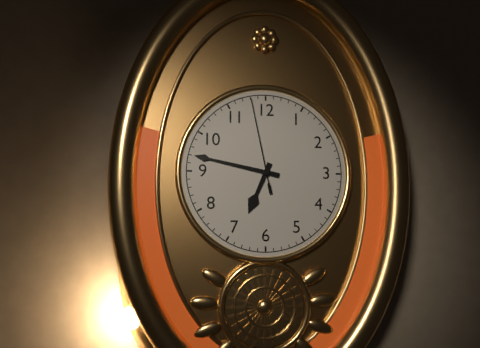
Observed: **6:47:58**
